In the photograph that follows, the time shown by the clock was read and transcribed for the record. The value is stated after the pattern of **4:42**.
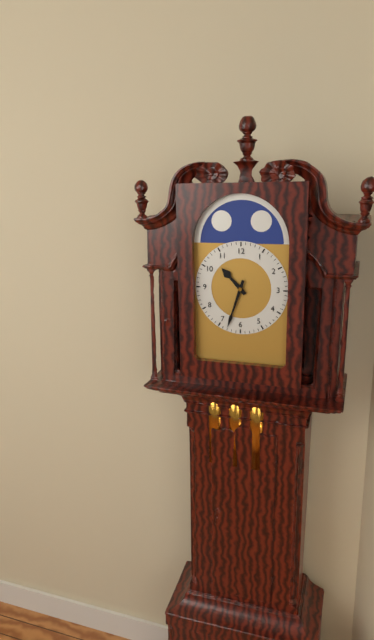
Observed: **10:33**
